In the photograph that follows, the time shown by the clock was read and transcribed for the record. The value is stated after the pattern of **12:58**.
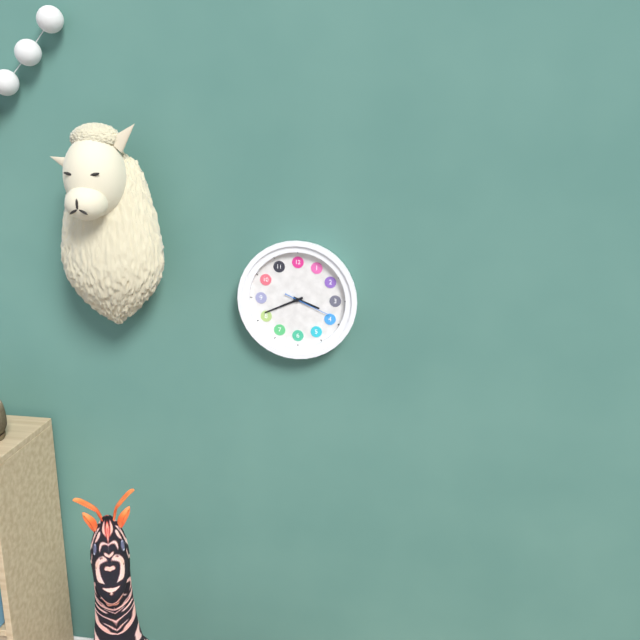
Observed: **3:41**
